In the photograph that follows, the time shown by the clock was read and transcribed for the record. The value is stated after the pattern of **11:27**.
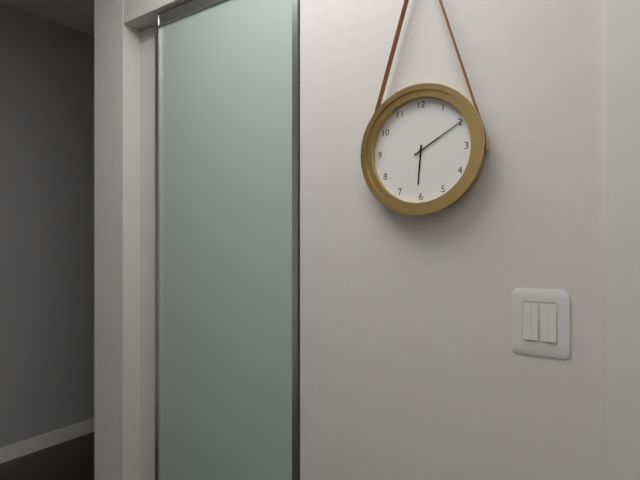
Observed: **6:10**
